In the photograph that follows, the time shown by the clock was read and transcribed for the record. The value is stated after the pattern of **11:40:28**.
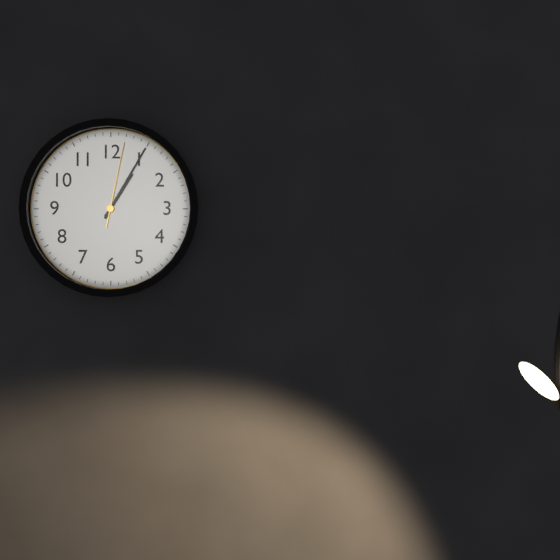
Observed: **1:05:02**
